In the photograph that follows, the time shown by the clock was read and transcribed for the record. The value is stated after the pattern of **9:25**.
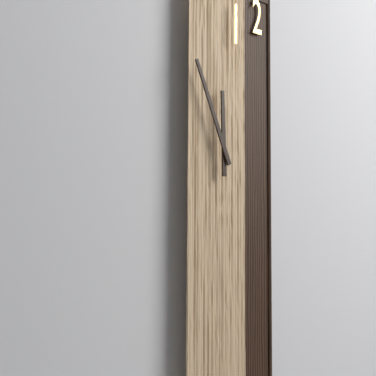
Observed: **11:56**
